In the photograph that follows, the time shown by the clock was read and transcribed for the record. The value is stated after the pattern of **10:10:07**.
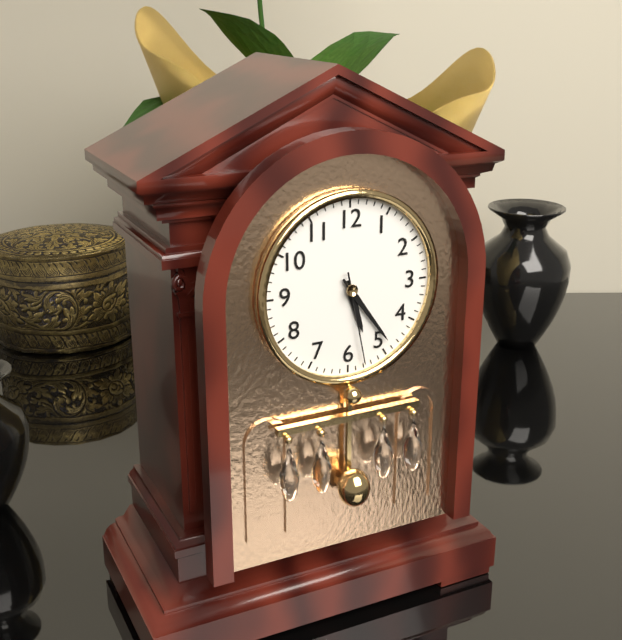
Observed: **5:24:28**
